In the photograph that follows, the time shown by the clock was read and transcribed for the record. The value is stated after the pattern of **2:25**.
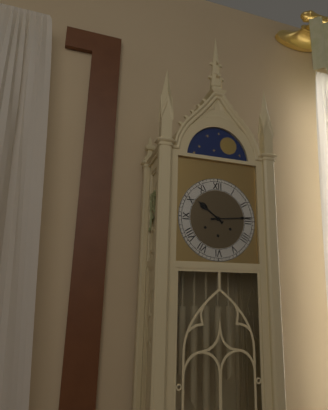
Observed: **10:14**
